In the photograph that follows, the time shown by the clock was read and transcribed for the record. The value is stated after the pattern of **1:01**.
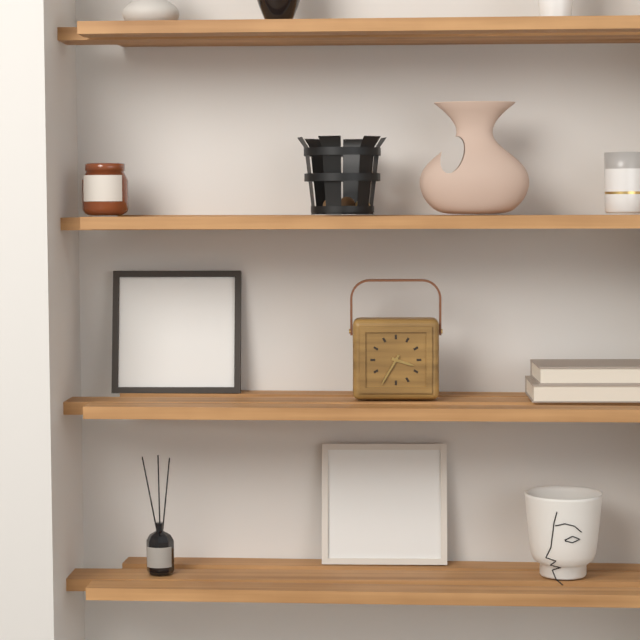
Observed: **3:35**
